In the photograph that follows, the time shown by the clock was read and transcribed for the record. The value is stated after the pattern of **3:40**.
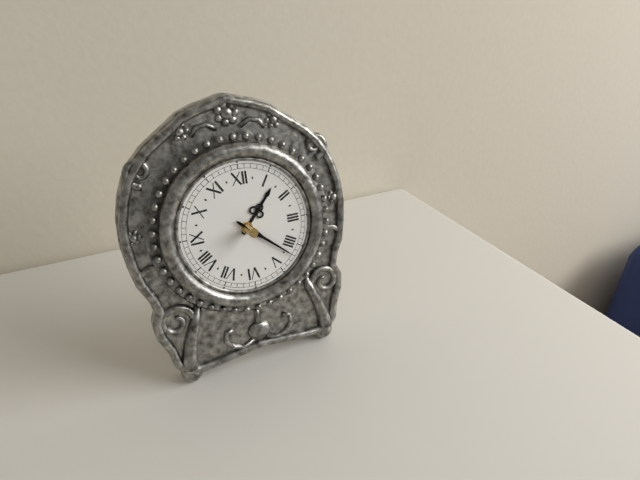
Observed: **1:22**
